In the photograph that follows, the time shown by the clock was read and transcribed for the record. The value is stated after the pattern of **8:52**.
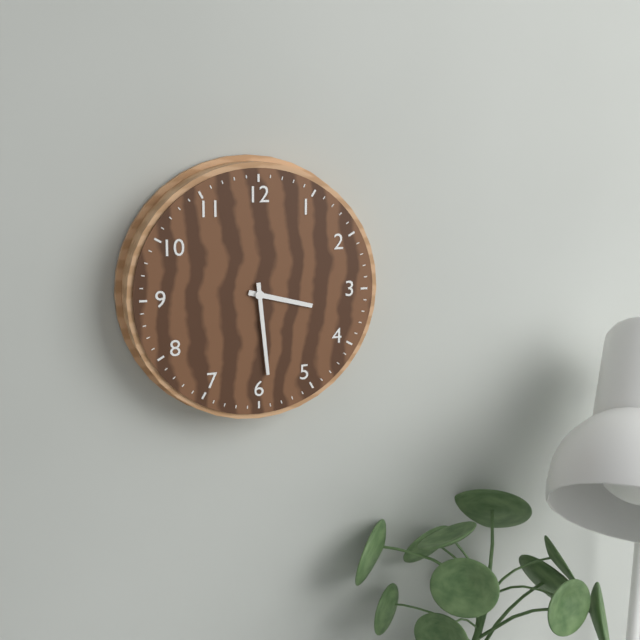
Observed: **3:29**
